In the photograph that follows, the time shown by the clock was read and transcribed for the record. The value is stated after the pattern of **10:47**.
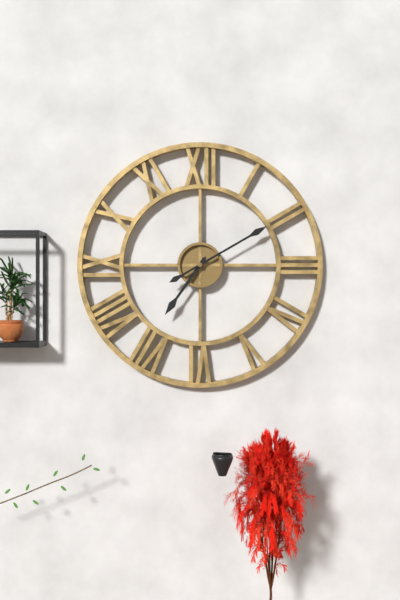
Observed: **7:10**
